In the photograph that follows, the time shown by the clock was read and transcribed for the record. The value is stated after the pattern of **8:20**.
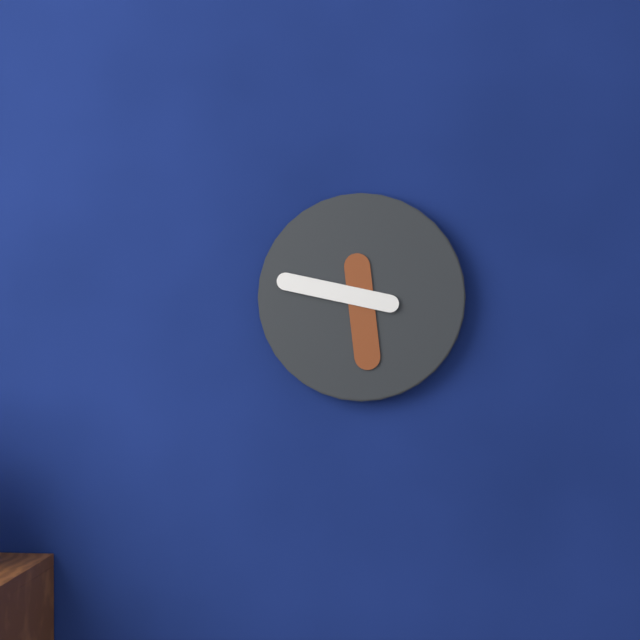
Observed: **5:47**
